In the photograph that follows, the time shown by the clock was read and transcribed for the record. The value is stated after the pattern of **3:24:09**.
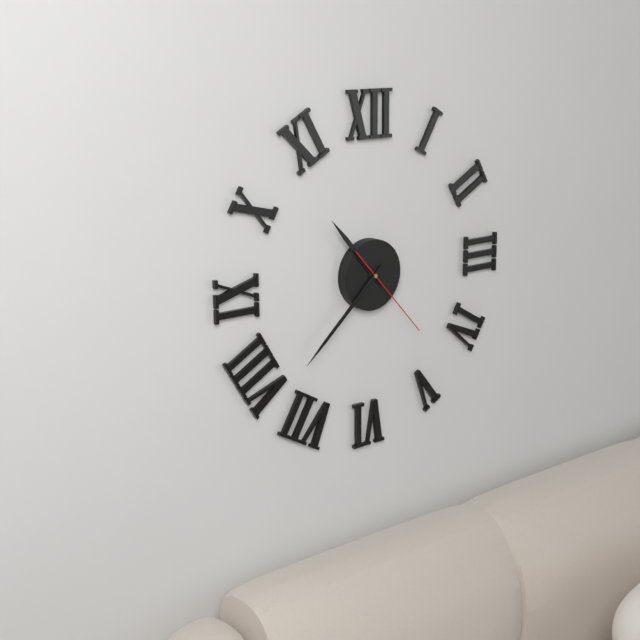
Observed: **10:38:23**
